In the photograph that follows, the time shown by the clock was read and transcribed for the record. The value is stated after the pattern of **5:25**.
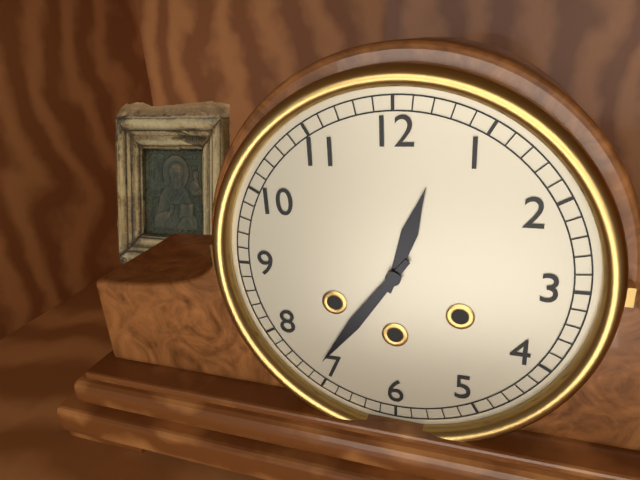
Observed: **12:36**
